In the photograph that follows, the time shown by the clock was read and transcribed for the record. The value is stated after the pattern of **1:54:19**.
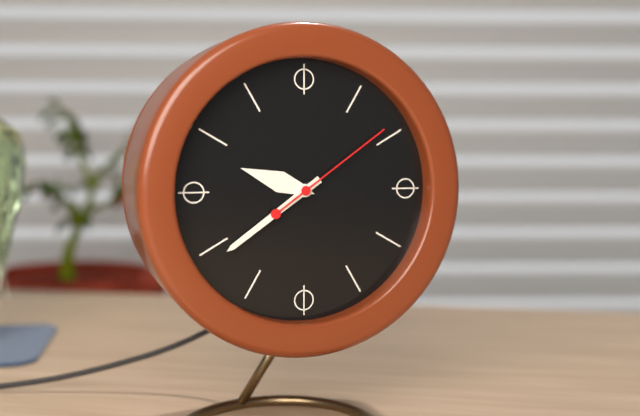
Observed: **9:39:09**
